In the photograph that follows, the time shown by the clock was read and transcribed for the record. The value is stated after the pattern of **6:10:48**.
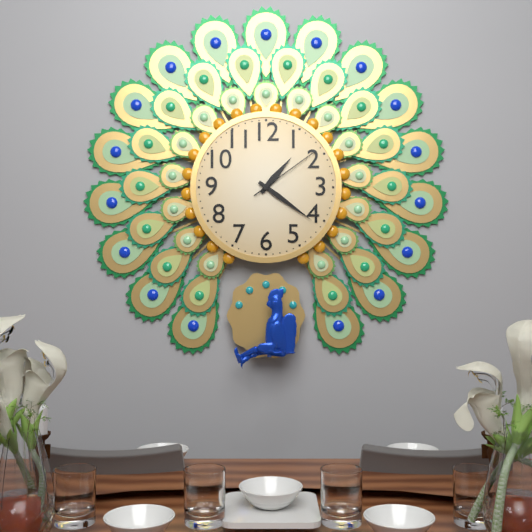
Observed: **1:21:09**
